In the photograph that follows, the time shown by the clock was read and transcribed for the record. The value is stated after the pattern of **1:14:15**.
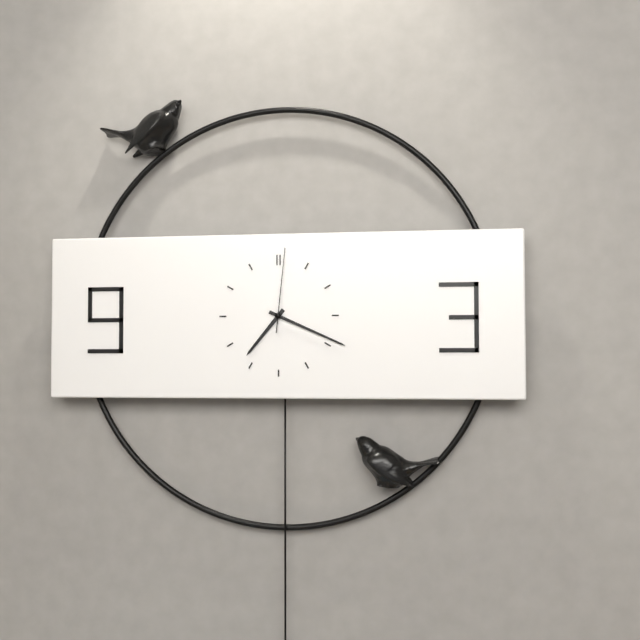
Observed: **7:19:01**
